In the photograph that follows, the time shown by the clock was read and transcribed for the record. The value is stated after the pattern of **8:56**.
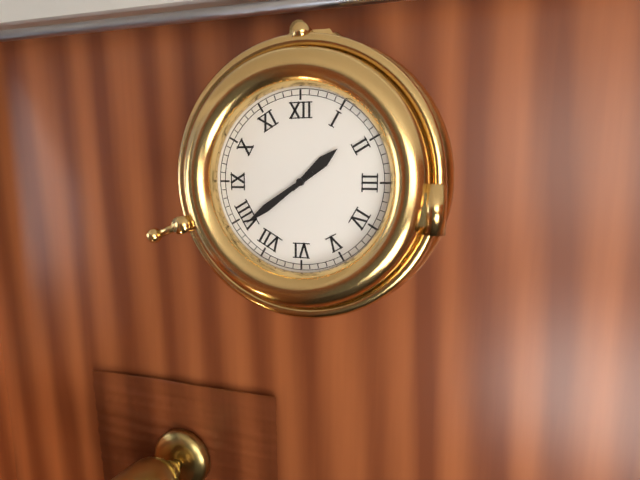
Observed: **1:39**
